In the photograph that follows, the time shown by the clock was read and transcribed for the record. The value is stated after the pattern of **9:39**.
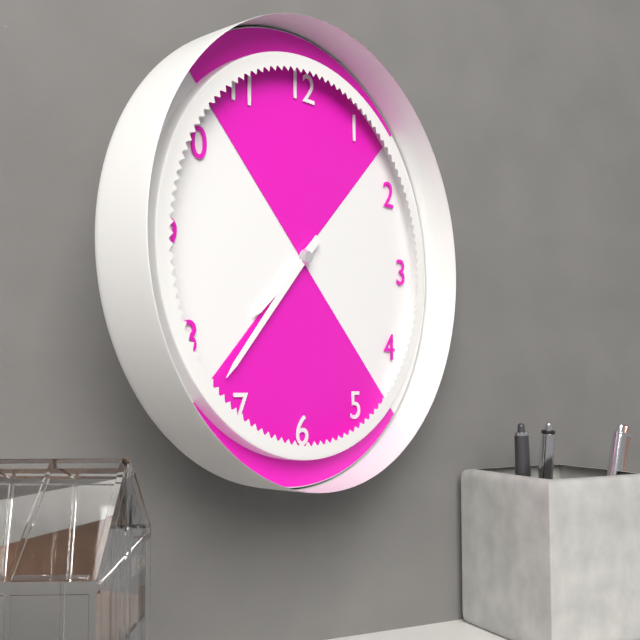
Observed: **7:37**
